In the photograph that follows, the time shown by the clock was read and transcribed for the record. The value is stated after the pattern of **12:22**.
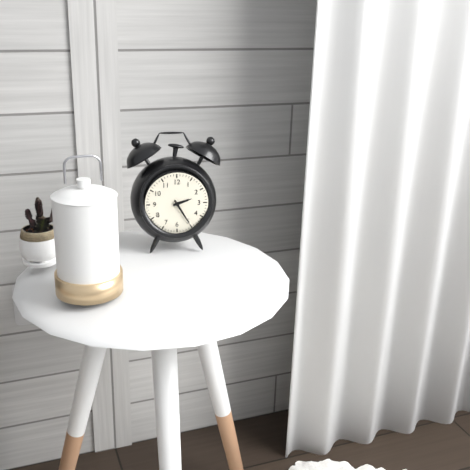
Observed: **2:25**
